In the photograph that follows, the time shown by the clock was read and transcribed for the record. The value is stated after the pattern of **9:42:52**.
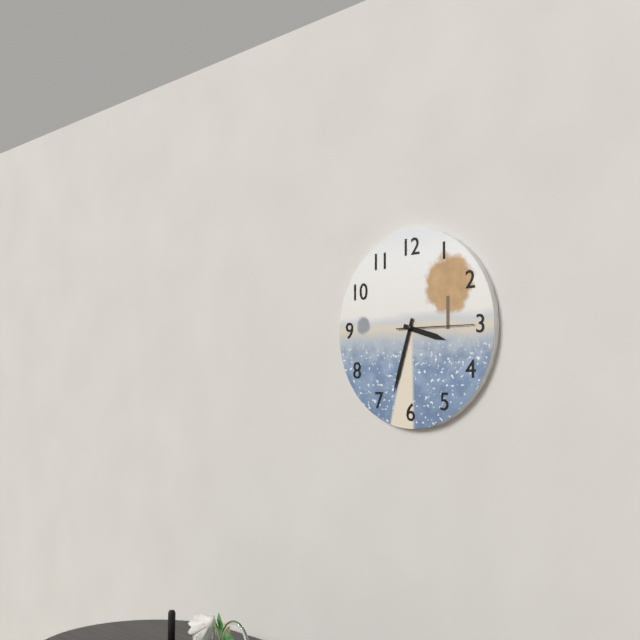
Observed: **3:33:15**
